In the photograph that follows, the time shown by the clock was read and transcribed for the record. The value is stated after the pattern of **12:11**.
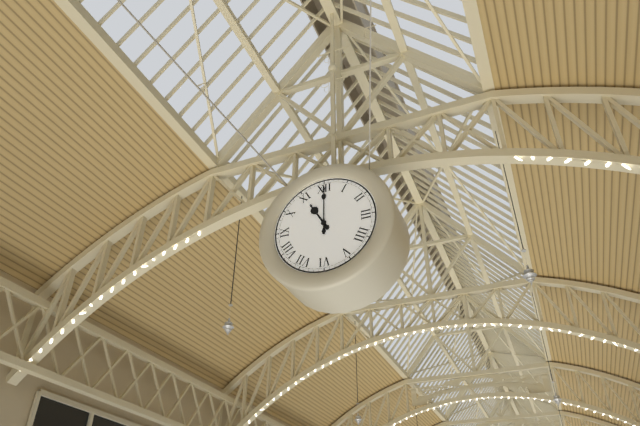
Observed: **11:00**
